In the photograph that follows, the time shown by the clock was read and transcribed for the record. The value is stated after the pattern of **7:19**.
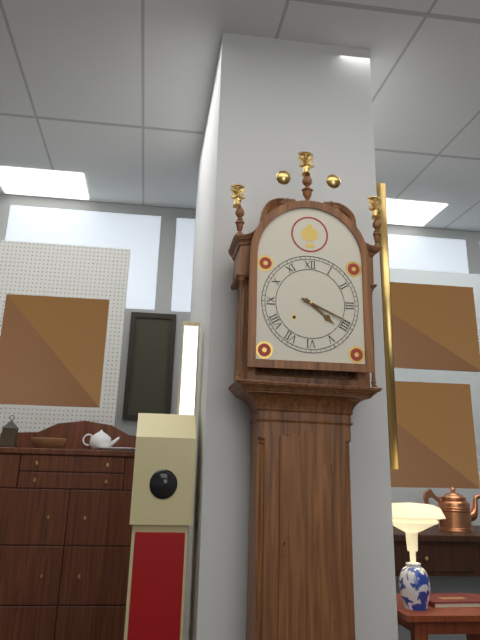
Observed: **4:19**
